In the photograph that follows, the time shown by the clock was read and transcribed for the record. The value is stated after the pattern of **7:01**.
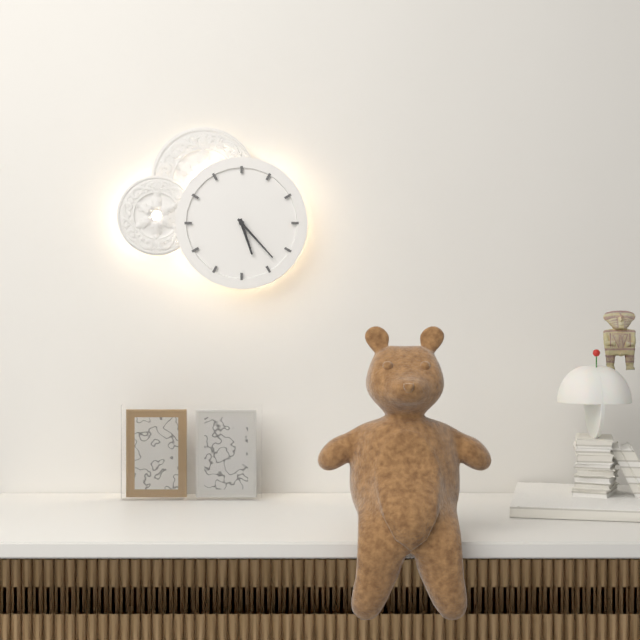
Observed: **5:23**
